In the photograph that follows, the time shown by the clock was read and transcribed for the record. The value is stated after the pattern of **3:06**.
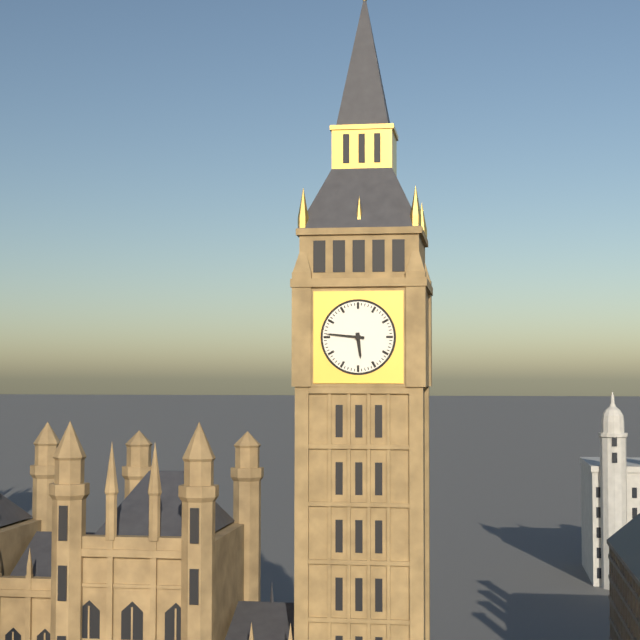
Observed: **5:46**
